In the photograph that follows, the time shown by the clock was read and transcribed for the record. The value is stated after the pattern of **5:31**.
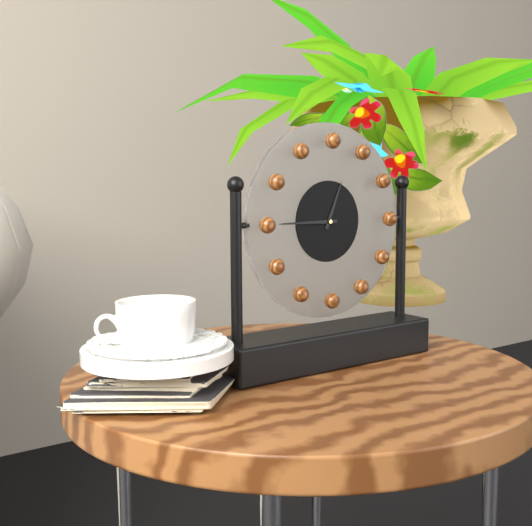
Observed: **12:45**
